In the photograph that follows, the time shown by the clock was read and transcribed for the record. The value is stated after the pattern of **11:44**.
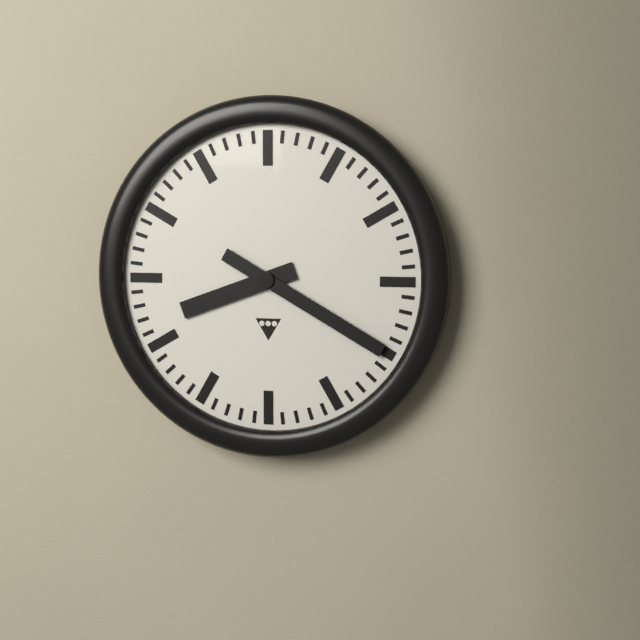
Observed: **8:20**
